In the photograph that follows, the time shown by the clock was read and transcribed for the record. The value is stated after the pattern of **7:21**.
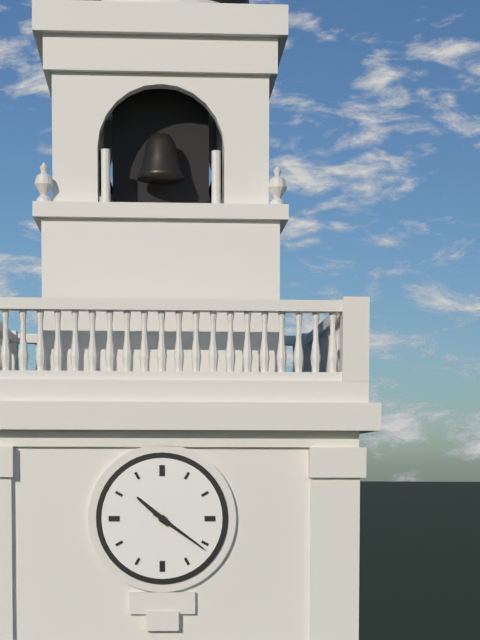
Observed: **10:21**
